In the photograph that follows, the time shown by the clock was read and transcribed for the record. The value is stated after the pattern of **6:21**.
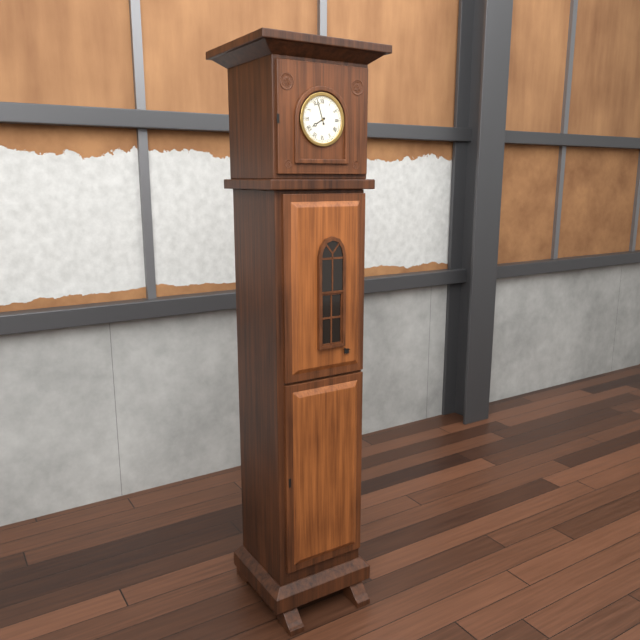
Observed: **7:57**
